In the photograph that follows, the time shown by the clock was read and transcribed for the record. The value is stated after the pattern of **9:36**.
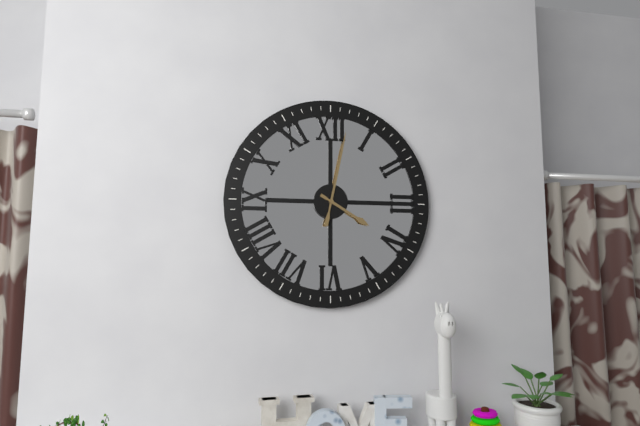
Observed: **4:02**
